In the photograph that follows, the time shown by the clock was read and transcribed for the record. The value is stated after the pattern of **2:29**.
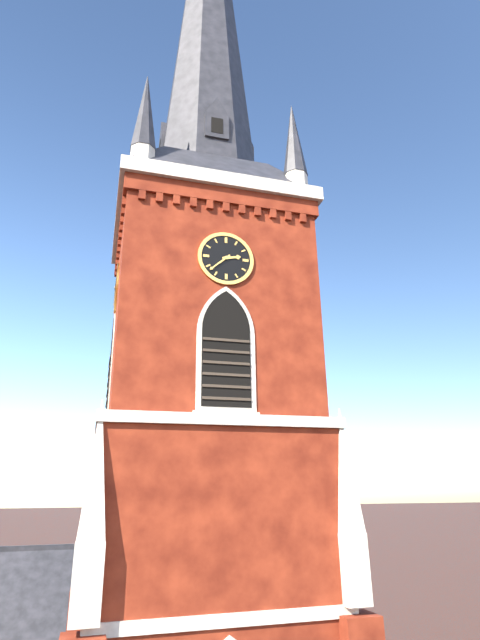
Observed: **2:38**
